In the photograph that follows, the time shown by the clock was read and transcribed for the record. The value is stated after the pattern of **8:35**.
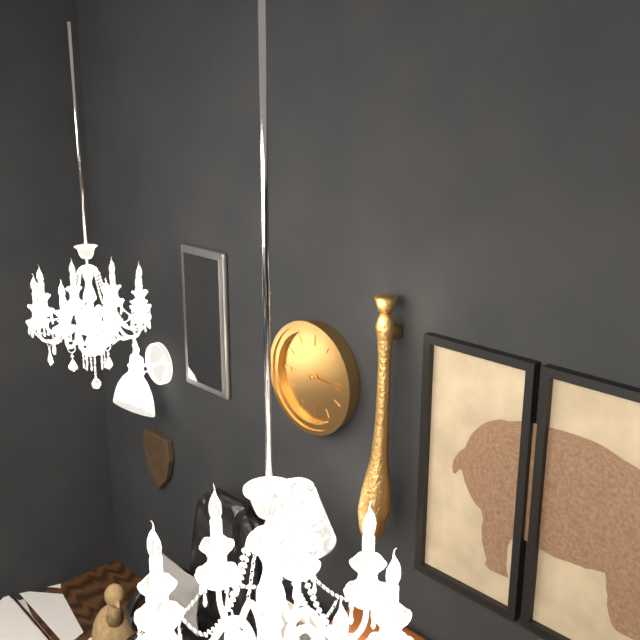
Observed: **8:16**
